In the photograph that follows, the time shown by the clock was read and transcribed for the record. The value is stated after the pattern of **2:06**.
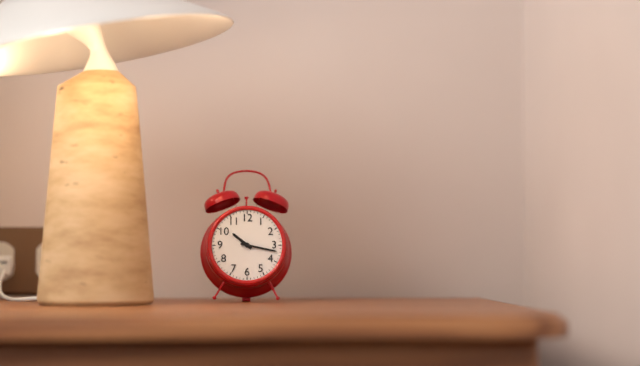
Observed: **10:17**
